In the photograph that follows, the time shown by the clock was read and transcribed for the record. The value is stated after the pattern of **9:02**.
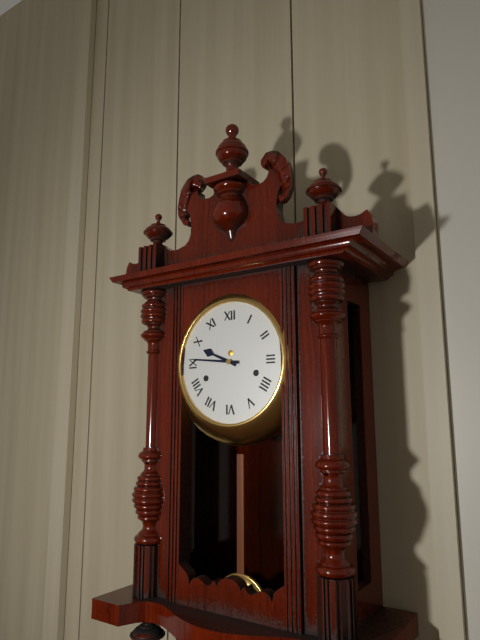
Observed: **9:46**
